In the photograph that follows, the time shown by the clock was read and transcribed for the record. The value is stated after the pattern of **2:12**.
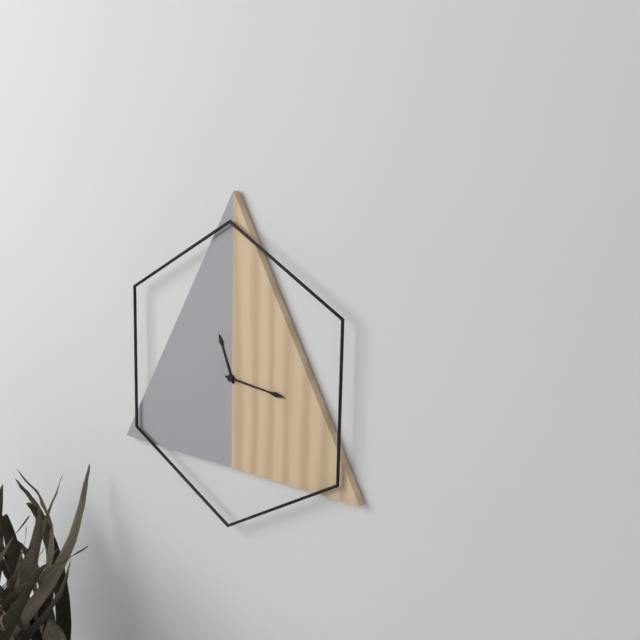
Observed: **11:16**
